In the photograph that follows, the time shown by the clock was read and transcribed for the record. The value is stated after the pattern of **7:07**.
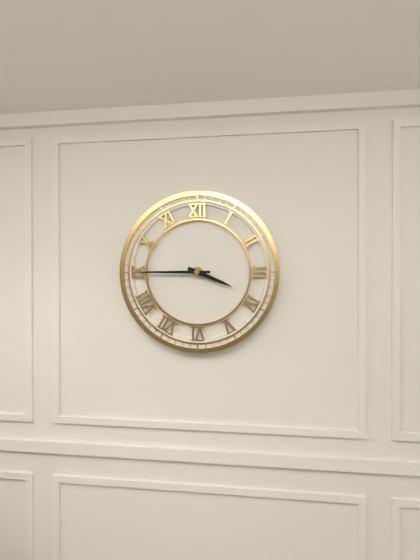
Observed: **3:45**
